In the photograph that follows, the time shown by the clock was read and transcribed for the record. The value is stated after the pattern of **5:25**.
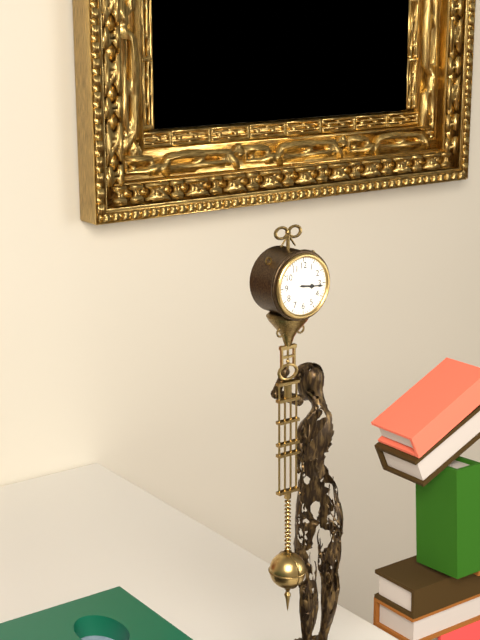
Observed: **3:16**
